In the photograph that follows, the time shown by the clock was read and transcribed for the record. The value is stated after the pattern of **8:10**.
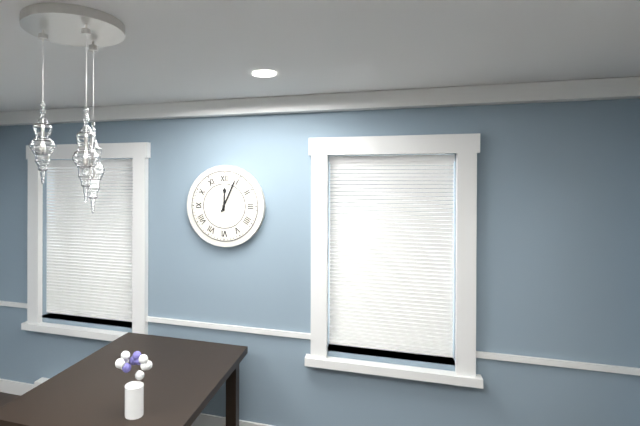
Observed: **12:04**
